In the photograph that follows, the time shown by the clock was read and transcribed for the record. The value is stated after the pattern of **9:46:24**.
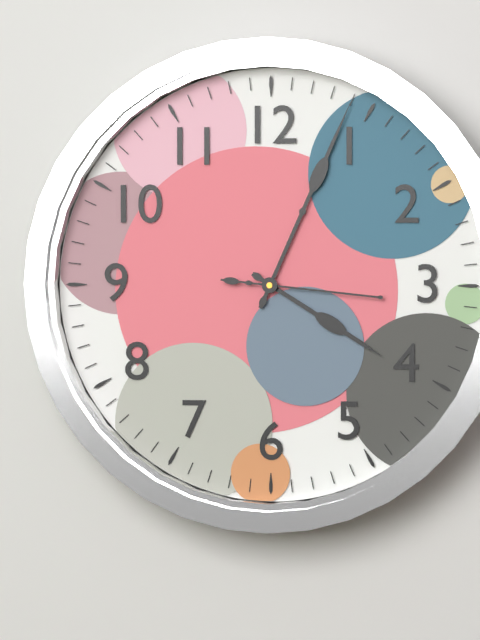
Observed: **4:04:16**
